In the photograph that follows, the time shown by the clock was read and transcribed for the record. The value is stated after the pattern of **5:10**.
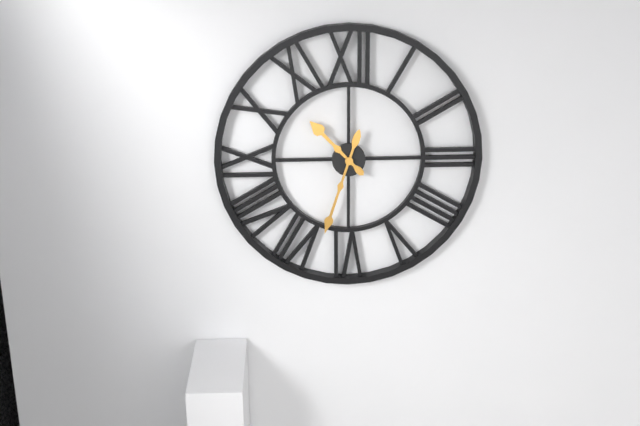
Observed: **10:33**
